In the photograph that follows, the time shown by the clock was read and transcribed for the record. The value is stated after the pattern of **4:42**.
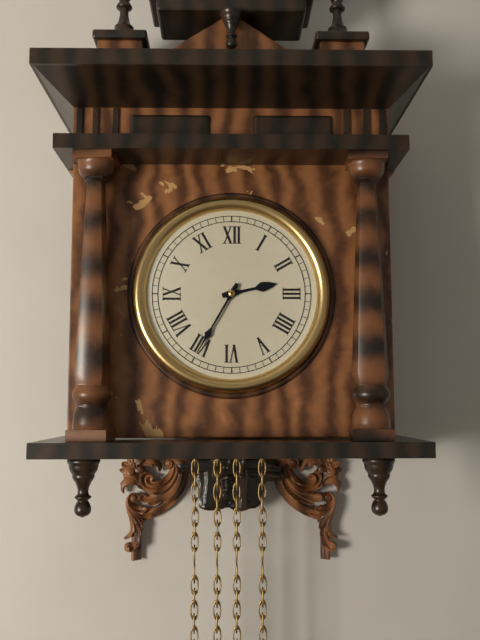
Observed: **2:35**
